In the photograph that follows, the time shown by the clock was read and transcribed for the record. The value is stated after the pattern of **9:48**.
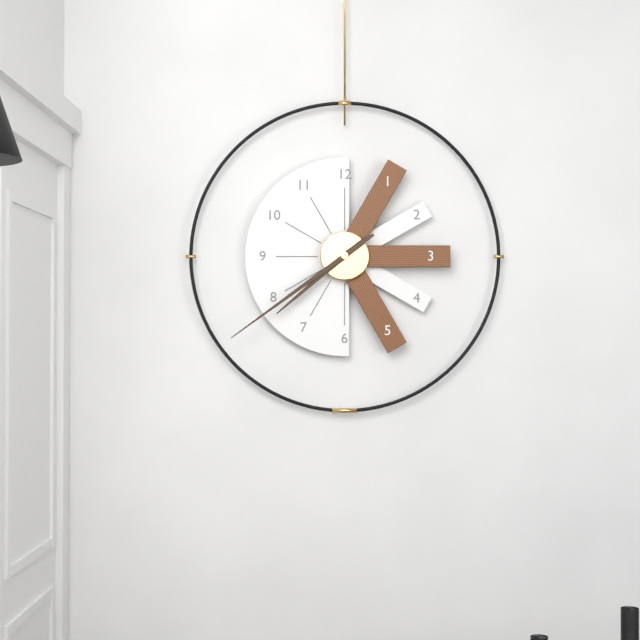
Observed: **7:39**
